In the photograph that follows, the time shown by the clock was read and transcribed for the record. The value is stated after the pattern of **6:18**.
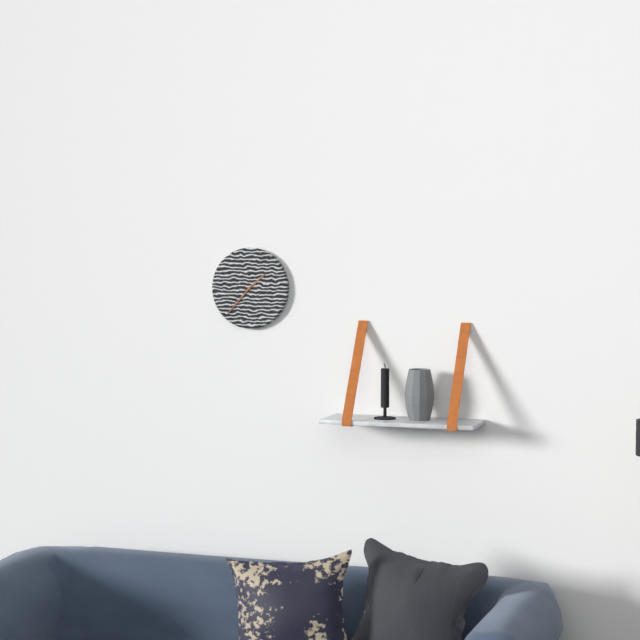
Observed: **1:37**
